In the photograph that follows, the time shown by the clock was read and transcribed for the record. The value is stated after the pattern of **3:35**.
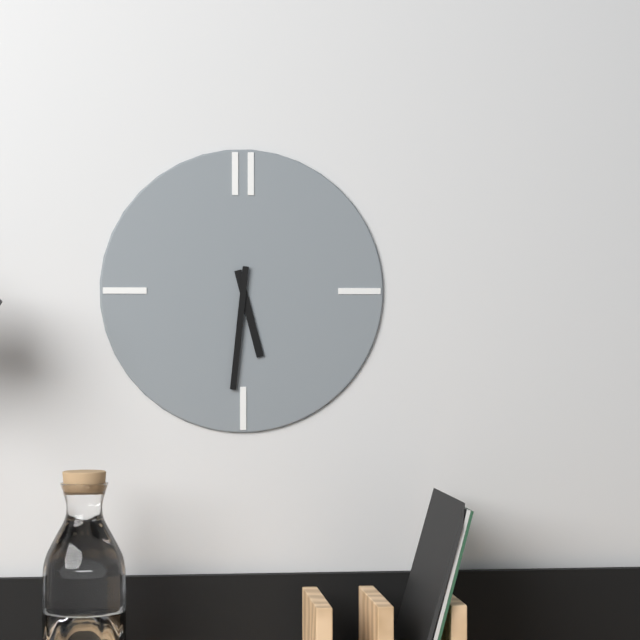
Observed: **5:31**
